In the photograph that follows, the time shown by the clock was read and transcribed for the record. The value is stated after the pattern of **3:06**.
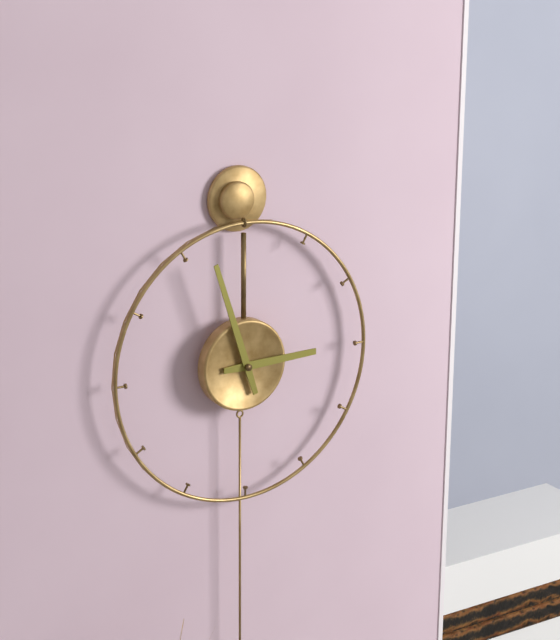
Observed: **2:57**
